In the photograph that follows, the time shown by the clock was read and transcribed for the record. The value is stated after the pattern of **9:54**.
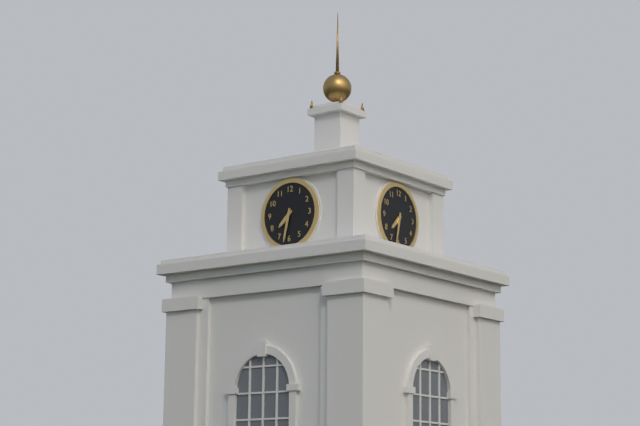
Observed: **7:32**
